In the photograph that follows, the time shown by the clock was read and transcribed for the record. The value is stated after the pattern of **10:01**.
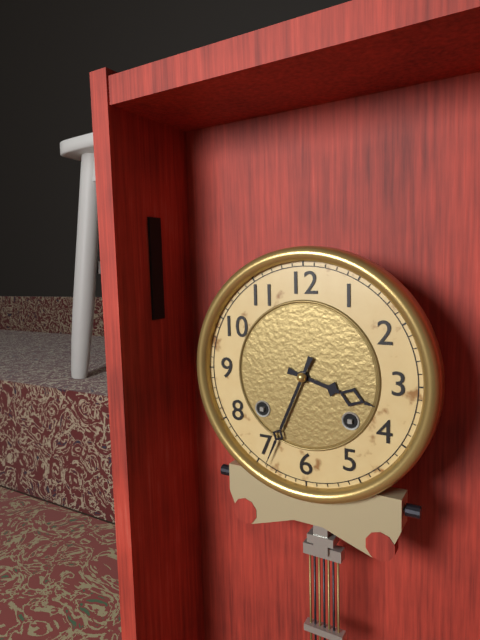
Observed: **3:34**
